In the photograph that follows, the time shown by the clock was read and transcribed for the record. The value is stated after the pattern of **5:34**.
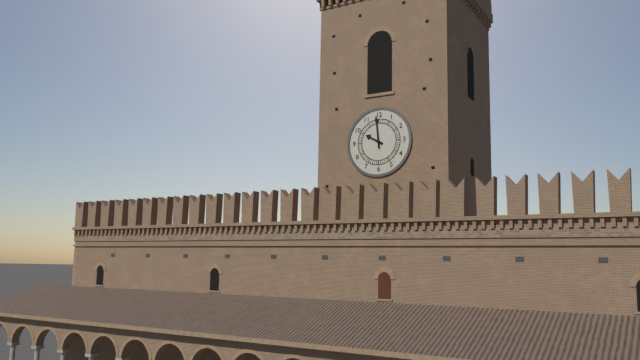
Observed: **9:59**
